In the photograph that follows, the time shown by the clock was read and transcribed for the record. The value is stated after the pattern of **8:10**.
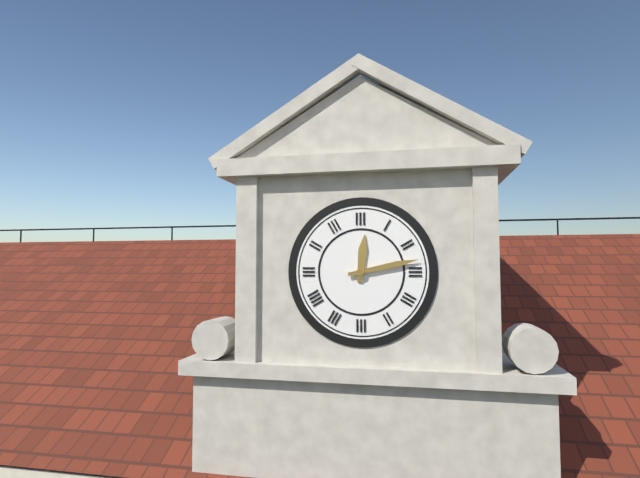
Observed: **12:13**
